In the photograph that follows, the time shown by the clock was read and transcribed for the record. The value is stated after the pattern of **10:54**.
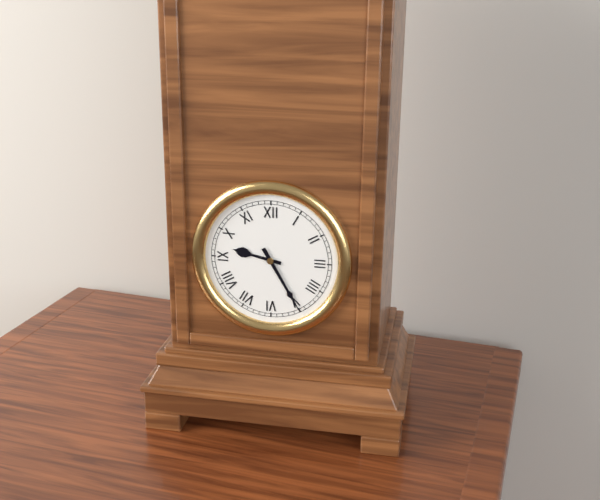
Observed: **9:25**
